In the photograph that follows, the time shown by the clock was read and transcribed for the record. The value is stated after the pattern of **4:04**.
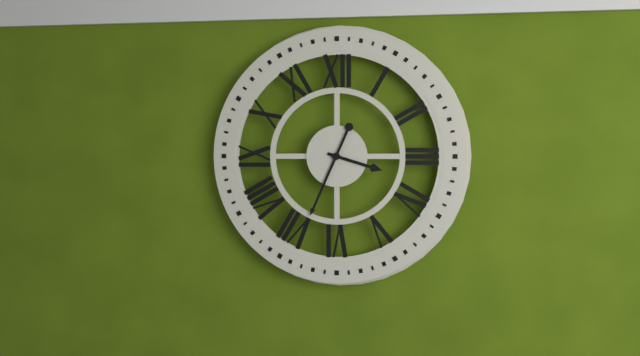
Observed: **3:34**
